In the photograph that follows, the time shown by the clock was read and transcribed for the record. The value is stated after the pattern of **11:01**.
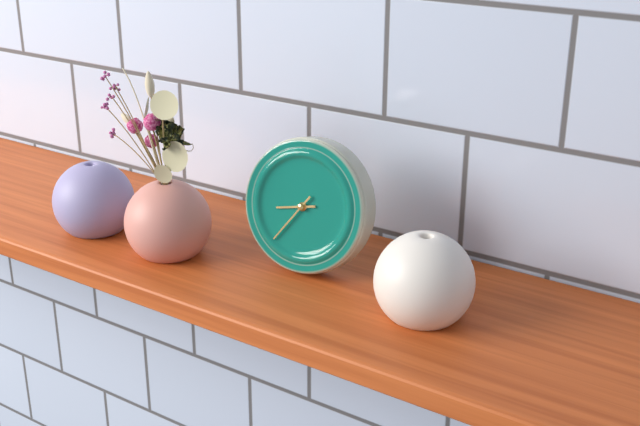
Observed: **8:36**
